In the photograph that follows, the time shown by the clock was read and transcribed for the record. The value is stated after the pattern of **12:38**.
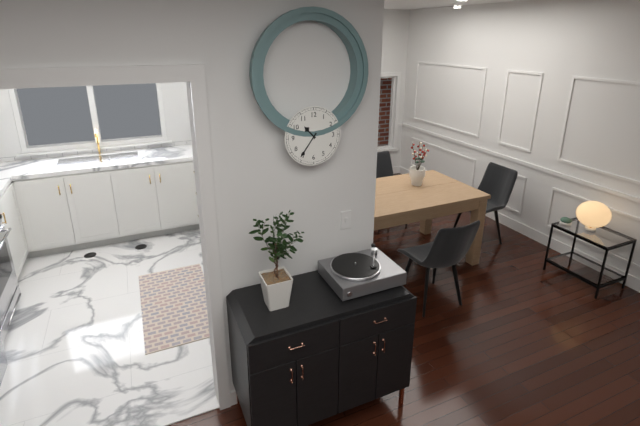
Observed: **10:36**
